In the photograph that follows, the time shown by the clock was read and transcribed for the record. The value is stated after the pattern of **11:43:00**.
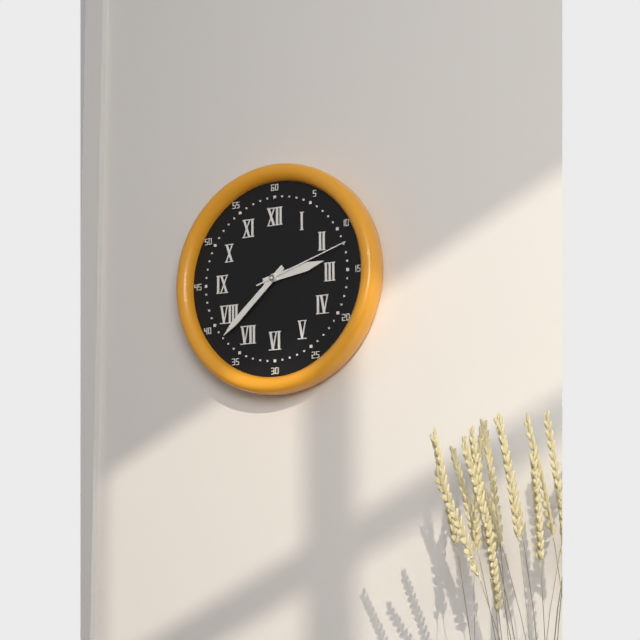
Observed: **2:38:12**
